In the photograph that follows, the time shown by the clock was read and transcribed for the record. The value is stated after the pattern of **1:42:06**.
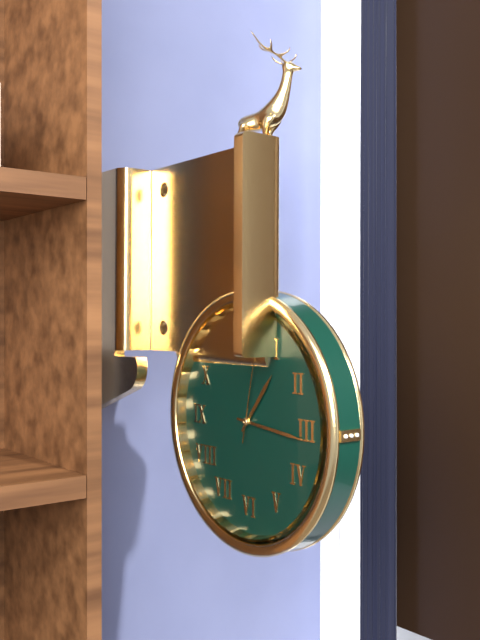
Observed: **1:16:02**
